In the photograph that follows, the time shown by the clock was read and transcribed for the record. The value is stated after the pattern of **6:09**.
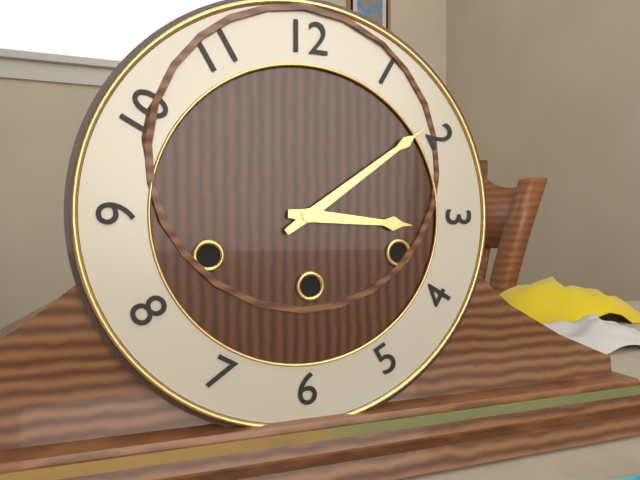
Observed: **3:09**
